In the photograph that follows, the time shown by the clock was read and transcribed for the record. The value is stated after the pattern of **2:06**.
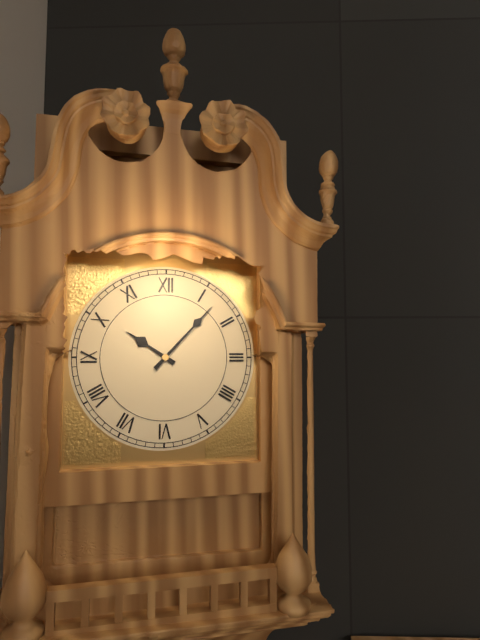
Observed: **10:07**
